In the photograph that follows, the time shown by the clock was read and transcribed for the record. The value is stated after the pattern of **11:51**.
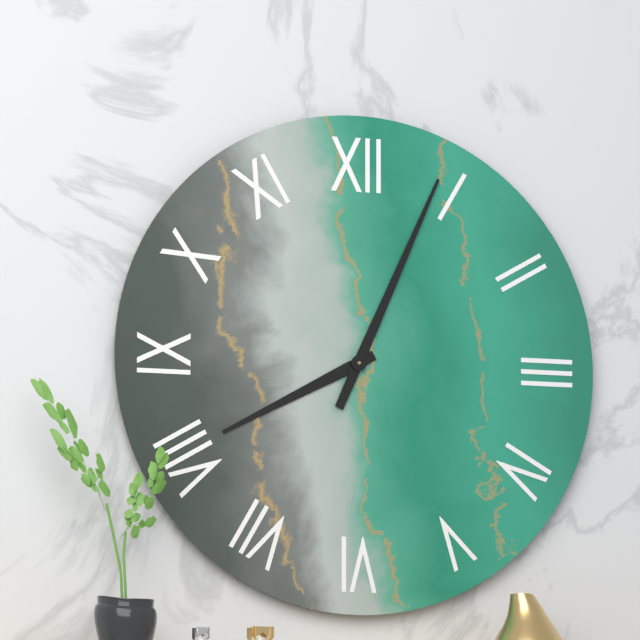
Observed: **8:04**
